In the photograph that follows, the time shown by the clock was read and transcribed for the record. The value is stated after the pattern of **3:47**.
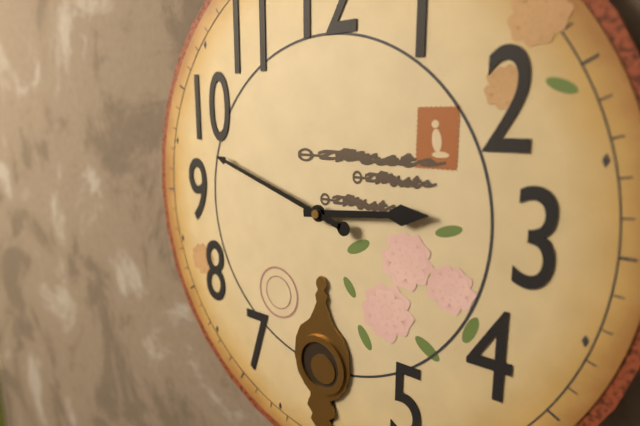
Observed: **2:48**
